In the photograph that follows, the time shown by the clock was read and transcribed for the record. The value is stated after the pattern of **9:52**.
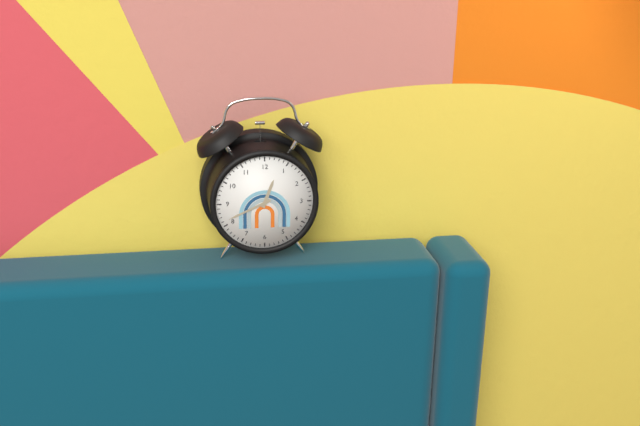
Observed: **12:41**
